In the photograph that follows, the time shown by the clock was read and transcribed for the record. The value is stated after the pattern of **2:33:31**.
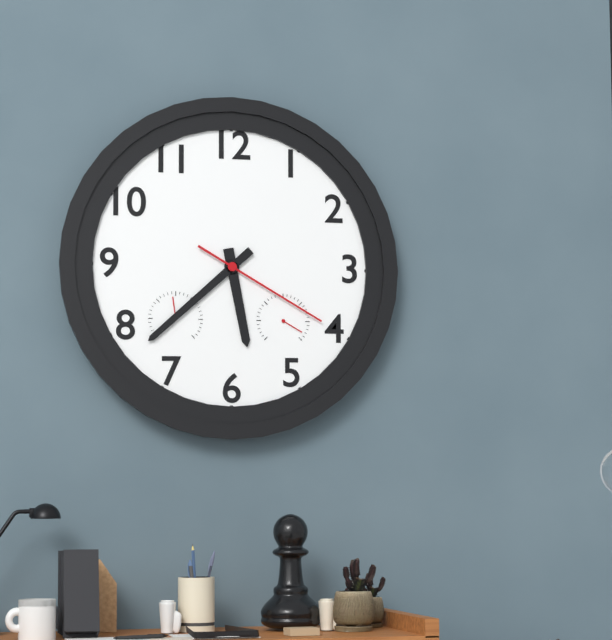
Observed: **5:38:20**
